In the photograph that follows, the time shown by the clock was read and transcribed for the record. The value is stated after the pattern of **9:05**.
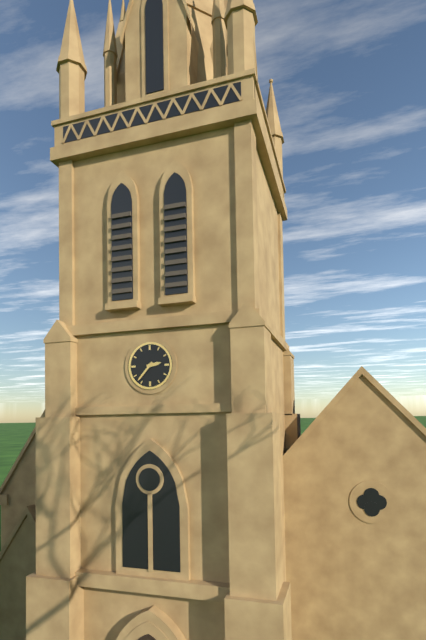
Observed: **2:37**
